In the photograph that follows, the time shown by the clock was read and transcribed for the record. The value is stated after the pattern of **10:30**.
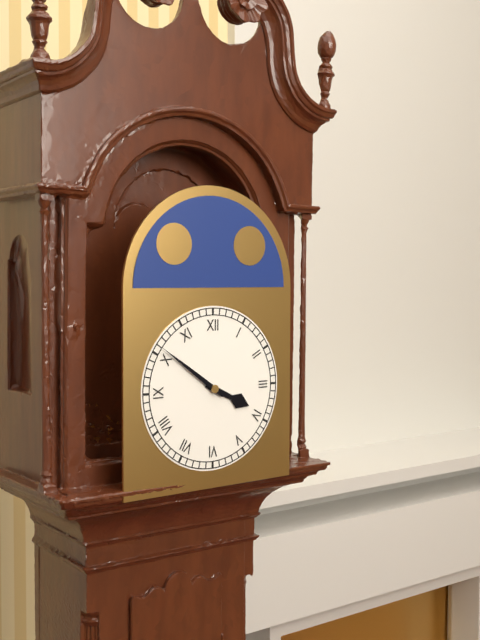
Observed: **3:51**
